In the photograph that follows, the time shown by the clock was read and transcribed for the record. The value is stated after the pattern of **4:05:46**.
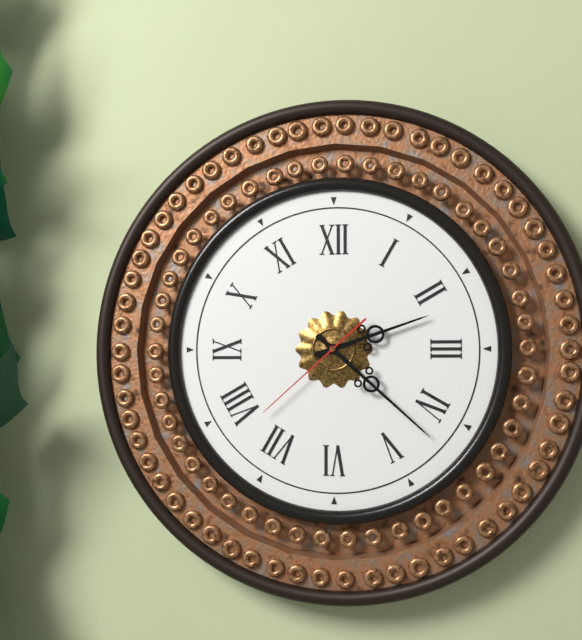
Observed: **2:22:38**
